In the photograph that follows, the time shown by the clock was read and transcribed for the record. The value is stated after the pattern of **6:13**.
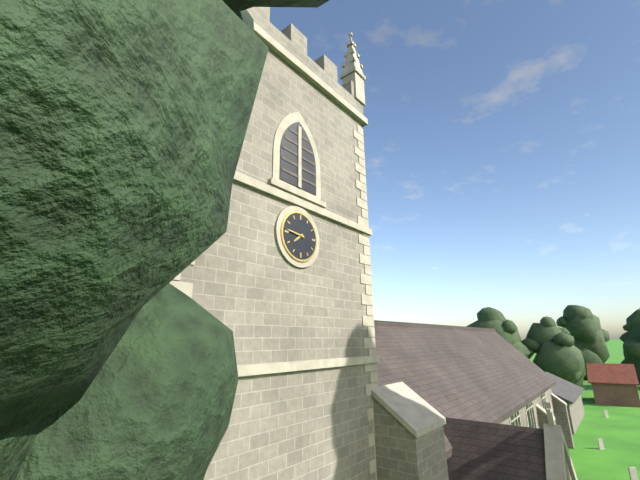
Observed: **7:46**
